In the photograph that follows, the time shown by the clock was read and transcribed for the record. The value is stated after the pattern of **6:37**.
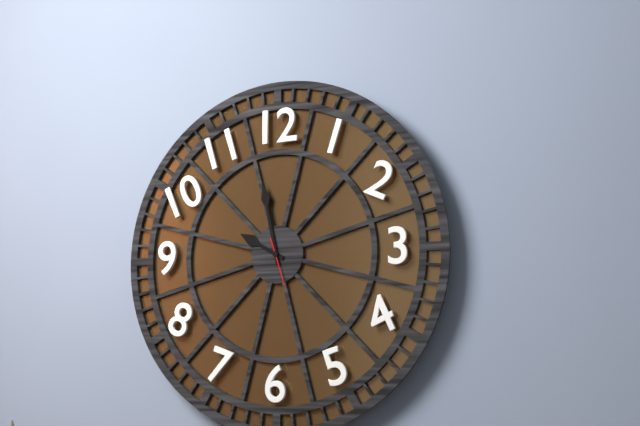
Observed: **9:58**
